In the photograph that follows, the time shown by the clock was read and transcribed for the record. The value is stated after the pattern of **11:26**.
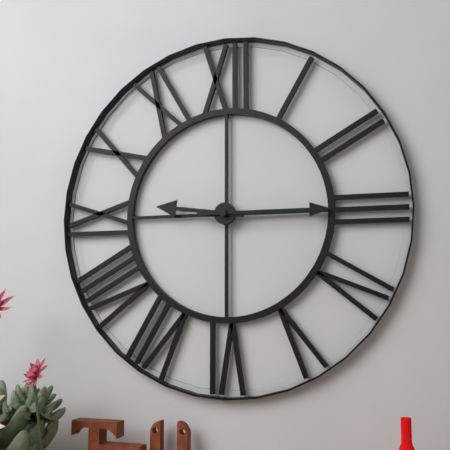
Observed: **9:15**
